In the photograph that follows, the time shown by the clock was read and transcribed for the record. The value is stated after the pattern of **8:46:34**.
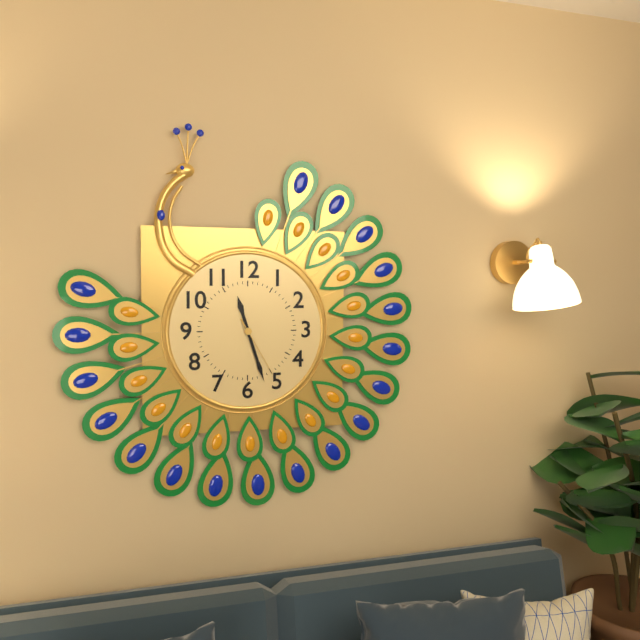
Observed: **11:27:25**
